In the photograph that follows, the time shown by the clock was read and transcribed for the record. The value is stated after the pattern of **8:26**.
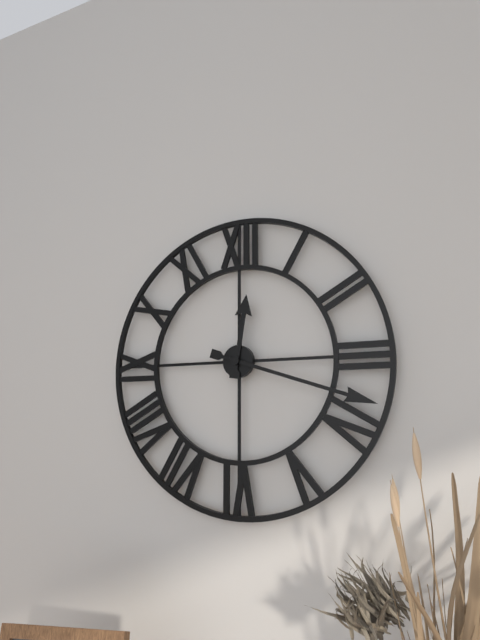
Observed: **12:18**
